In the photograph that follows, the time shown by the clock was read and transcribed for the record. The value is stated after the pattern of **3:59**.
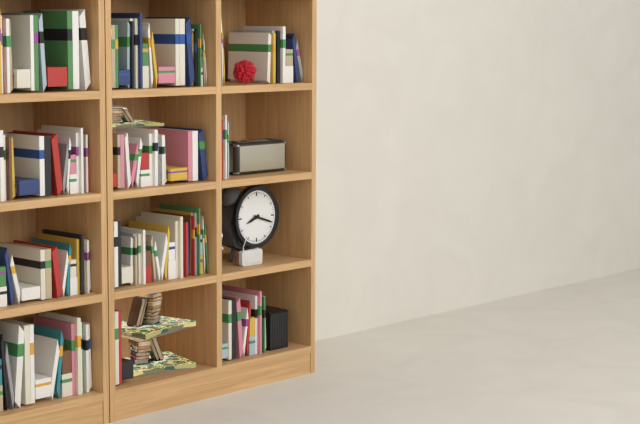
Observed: **8:18**
